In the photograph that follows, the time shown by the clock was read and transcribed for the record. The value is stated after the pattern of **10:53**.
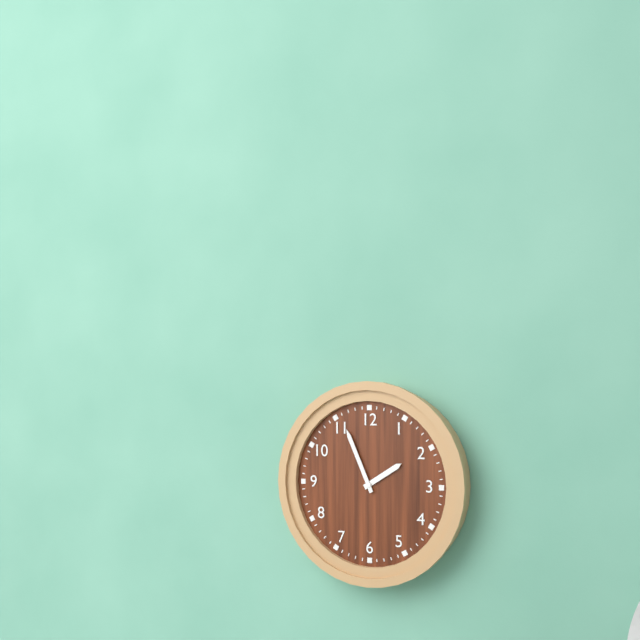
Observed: **1:56**
